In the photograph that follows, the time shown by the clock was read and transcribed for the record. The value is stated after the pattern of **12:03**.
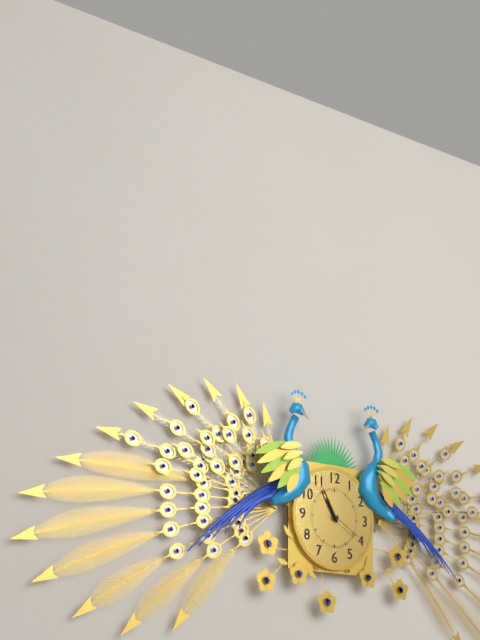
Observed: **10:55**
